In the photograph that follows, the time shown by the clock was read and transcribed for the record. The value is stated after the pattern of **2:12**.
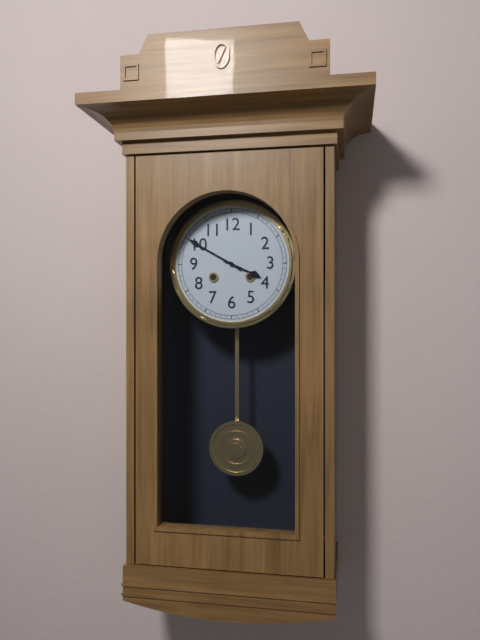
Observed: **3:50**
